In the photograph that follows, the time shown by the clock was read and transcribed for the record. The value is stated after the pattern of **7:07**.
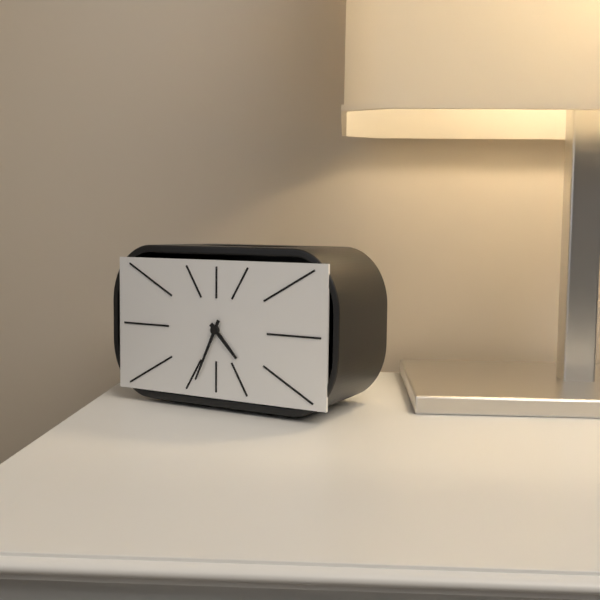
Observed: **4:34**
